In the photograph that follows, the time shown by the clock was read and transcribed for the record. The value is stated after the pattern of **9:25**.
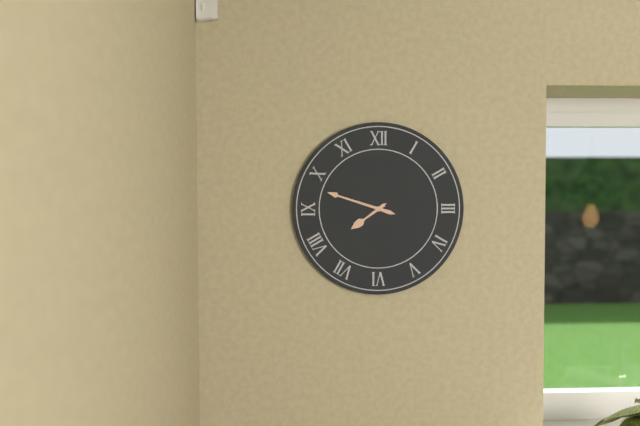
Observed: **7:48**
